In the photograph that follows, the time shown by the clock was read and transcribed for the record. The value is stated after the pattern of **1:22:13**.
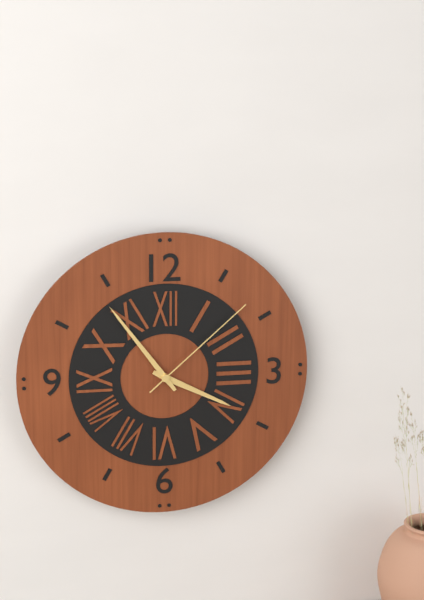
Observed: **3:54:08**
